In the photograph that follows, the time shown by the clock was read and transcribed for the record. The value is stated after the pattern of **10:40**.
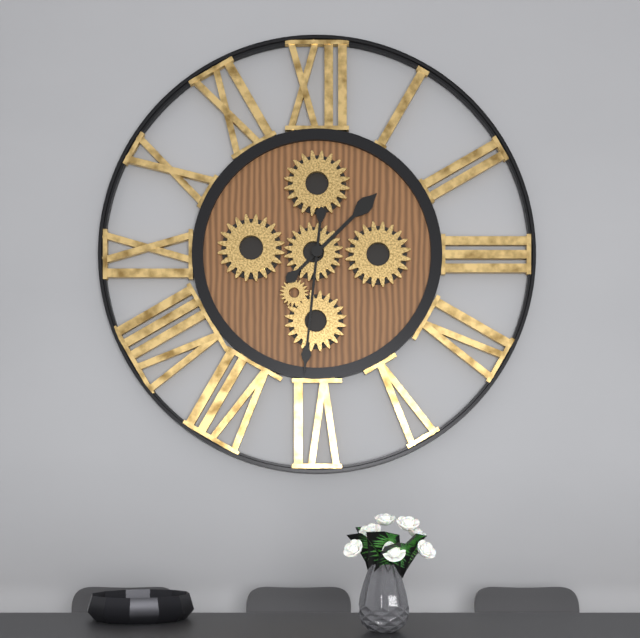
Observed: **1:31**
